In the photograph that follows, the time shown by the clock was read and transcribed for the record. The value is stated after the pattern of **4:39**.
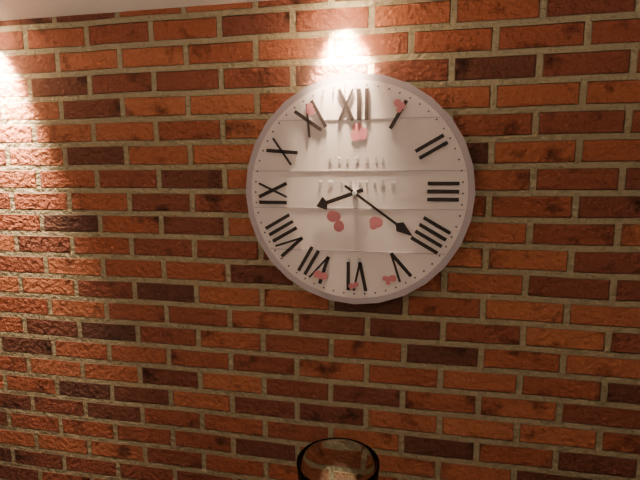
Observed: **8:21**
